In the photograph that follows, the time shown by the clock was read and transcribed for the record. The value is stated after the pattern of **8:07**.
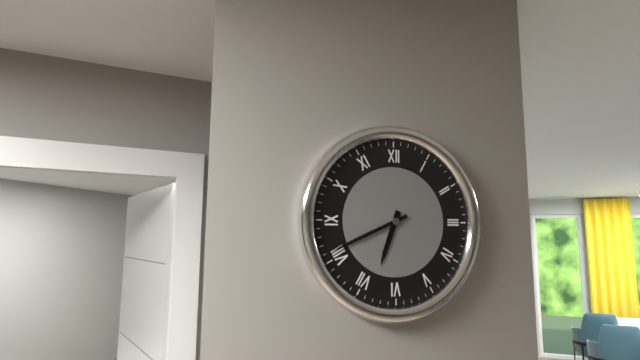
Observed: **6:41**
